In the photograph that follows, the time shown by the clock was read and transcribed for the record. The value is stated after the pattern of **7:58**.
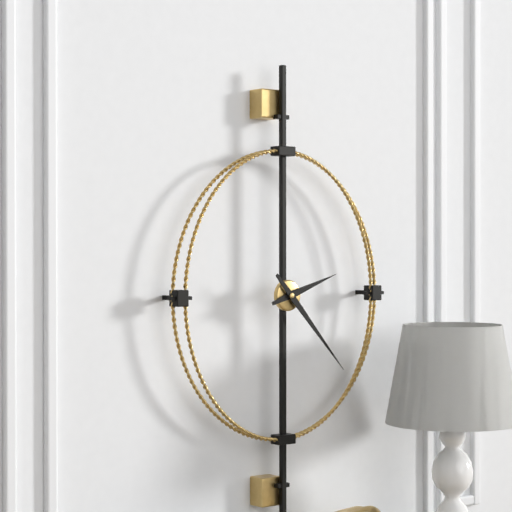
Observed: **2:23**
